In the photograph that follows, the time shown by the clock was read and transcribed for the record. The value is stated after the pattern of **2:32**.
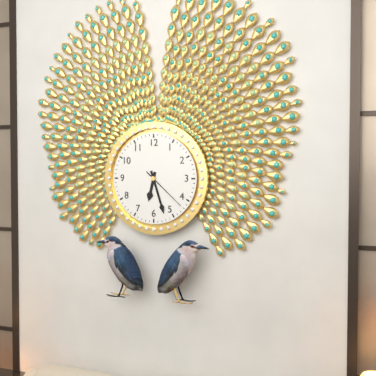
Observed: **6:27**
